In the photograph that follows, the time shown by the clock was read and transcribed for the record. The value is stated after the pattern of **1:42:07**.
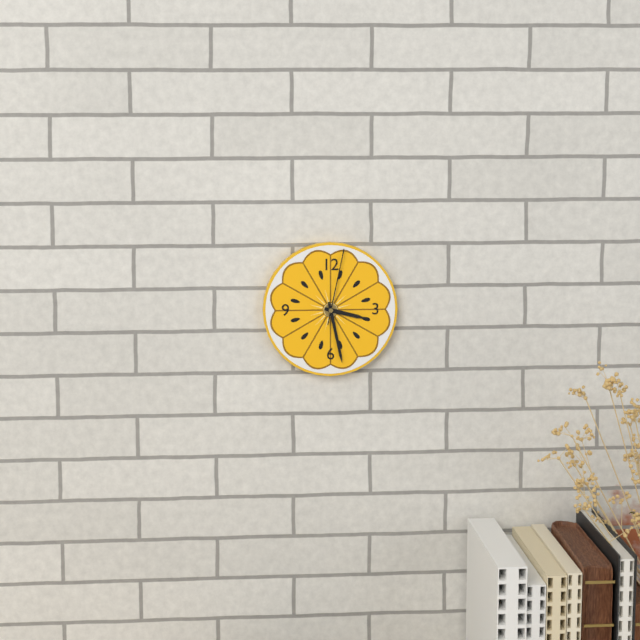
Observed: **3:28:02**
